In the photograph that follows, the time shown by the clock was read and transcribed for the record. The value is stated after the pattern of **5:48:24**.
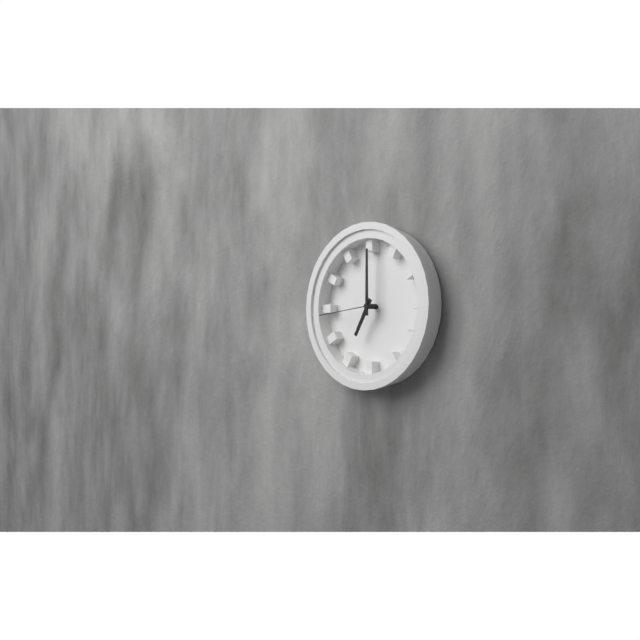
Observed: **7:00:44**
